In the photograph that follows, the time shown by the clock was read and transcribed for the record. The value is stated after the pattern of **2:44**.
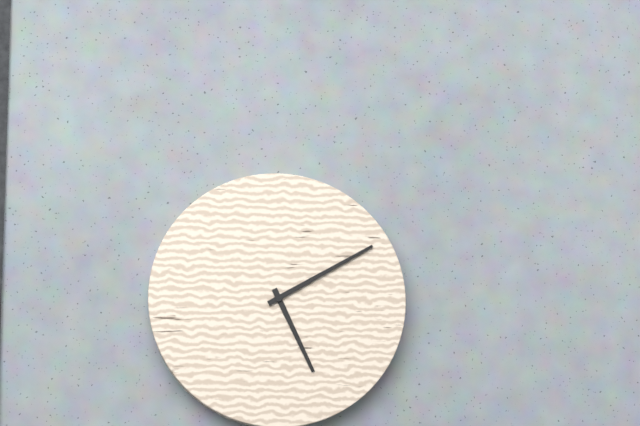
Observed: **5:10**
